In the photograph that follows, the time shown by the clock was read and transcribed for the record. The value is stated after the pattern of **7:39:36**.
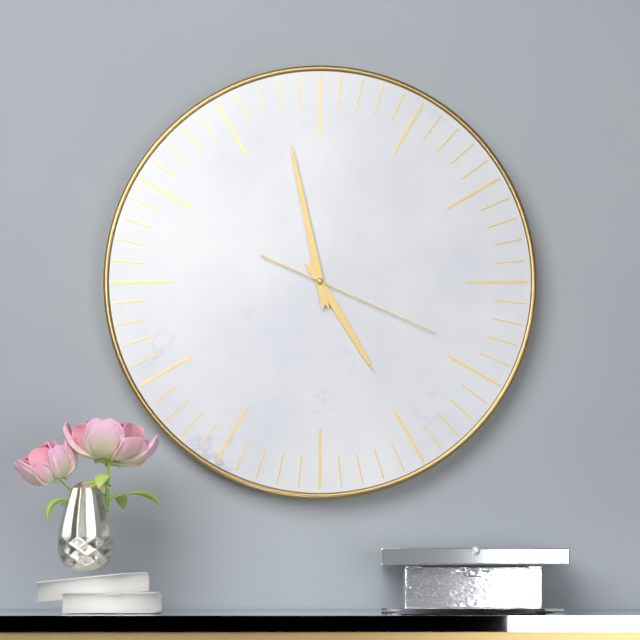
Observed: **4:58:19**
